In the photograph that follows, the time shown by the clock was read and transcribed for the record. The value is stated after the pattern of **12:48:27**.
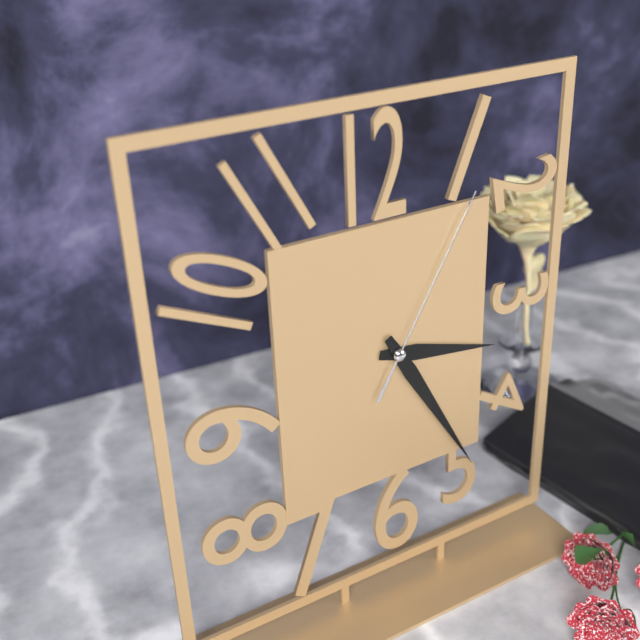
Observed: **3:25:05**
